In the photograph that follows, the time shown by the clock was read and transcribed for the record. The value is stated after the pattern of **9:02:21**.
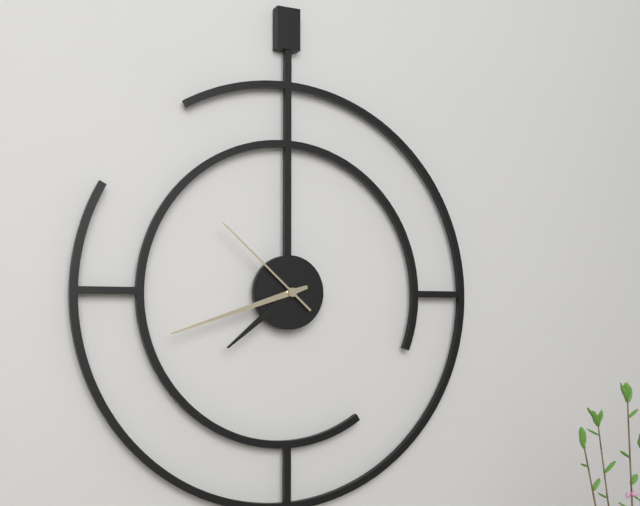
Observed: **7:42:52**
